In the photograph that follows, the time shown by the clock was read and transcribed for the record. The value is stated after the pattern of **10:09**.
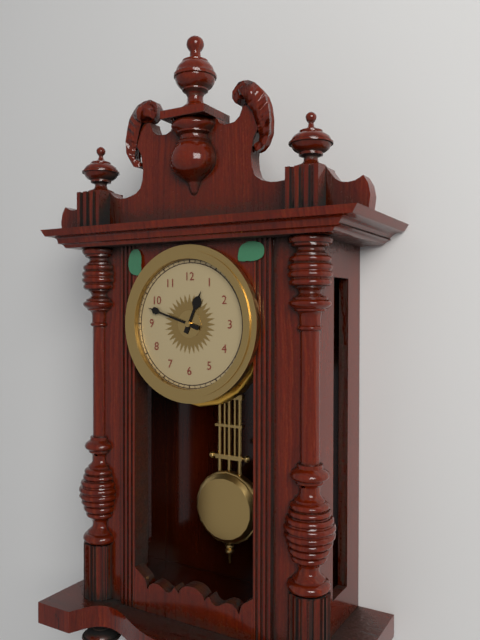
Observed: **12:48**
